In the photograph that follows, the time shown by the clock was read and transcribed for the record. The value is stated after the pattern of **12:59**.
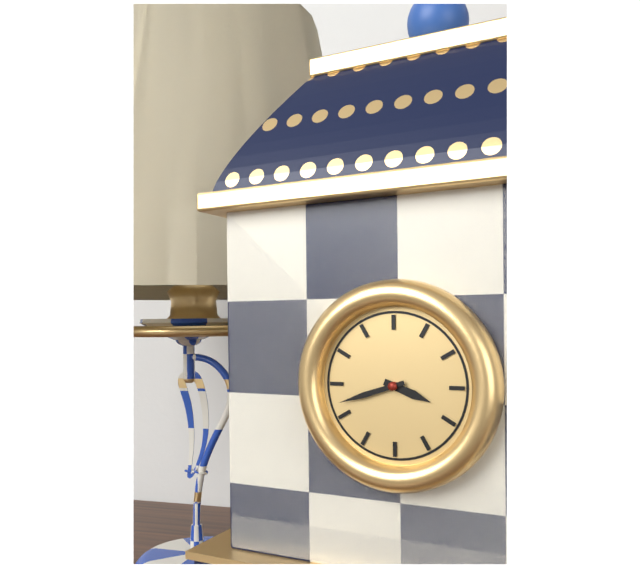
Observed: **3:42**
